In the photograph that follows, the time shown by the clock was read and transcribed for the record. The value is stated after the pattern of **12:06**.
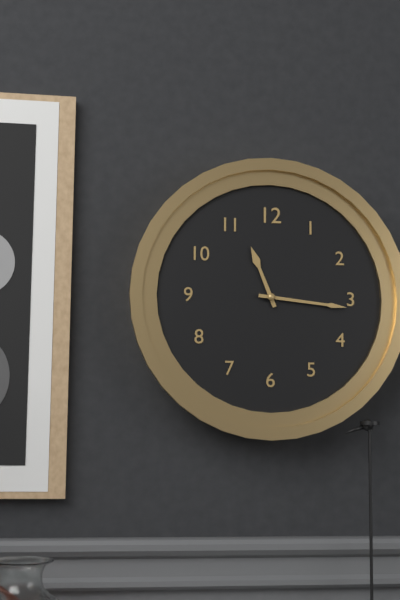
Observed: **11:16**
